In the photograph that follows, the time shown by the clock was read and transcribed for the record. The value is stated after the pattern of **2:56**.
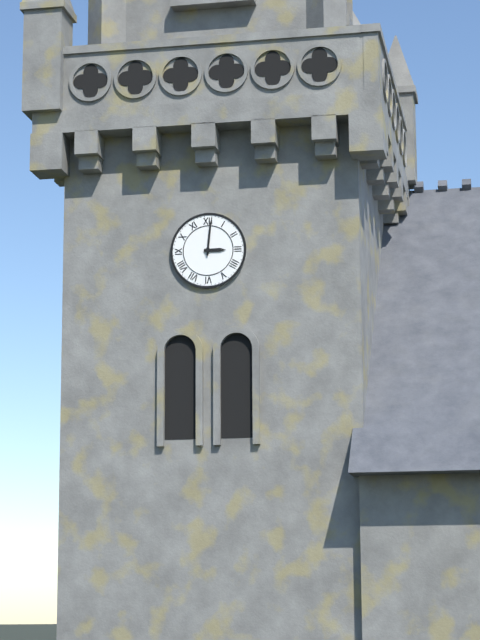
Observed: **3:01**
